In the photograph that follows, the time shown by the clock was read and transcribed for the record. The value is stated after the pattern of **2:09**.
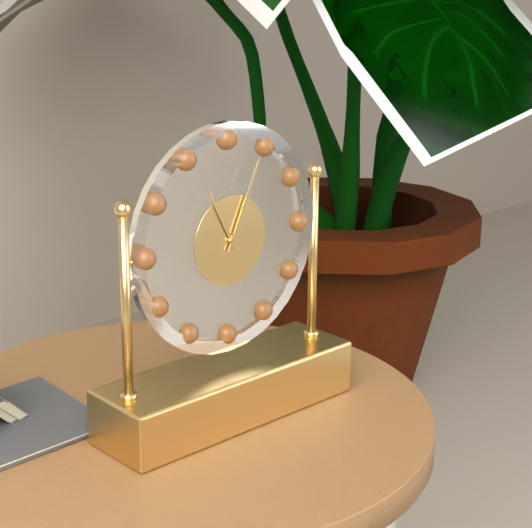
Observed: **11:04**
